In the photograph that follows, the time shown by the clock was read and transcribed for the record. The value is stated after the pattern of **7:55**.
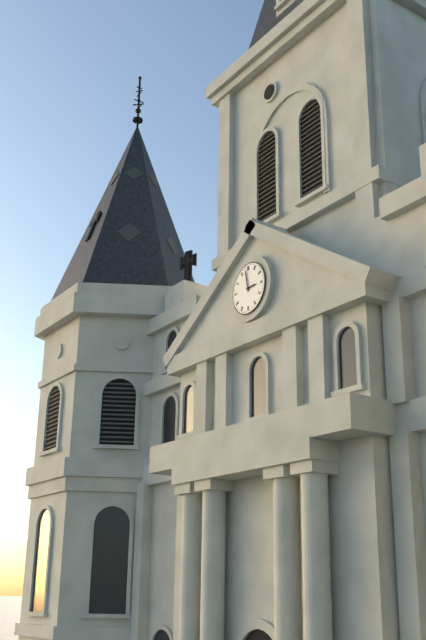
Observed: **2:58**
